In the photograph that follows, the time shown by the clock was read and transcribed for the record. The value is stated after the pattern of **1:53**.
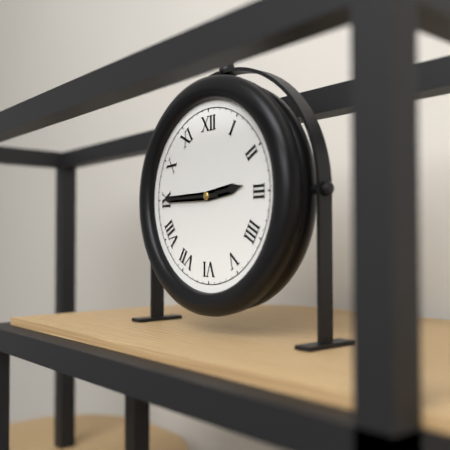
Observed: **2:45**
